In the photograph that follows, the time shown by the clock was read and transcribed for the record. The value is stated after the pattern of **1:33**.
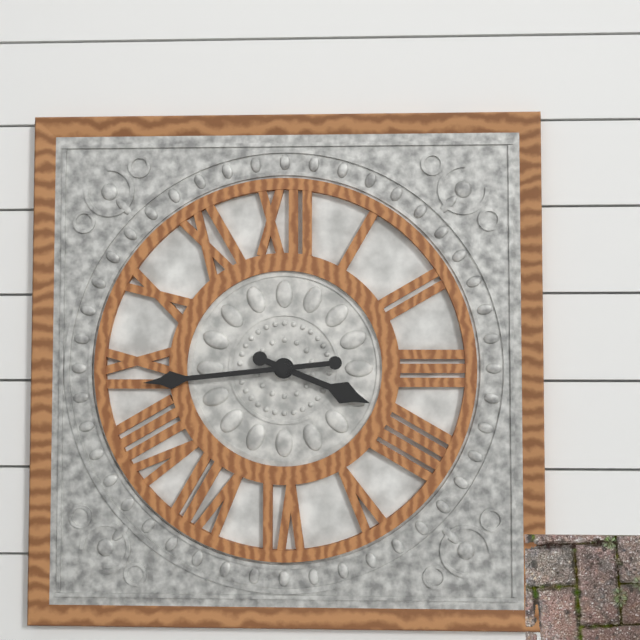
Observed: **3:44**
